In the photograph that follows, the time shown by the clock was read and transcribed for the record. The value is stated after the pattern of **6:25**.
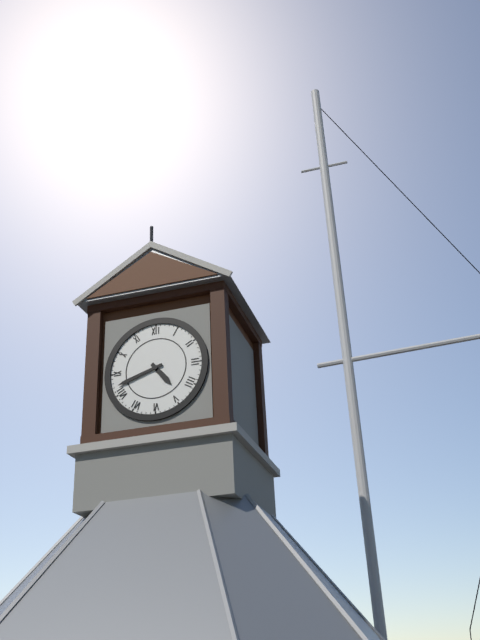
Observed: **4:42**
